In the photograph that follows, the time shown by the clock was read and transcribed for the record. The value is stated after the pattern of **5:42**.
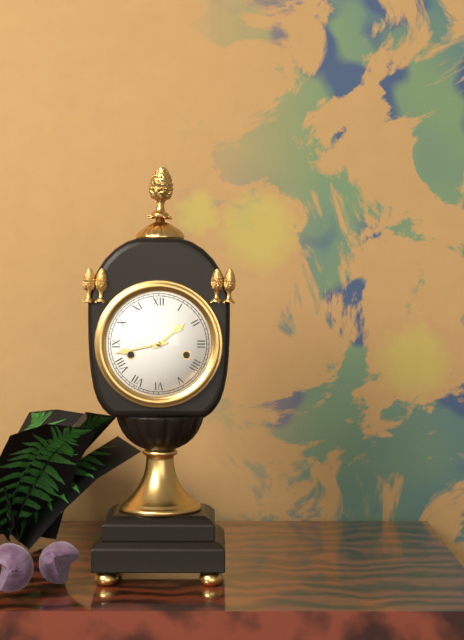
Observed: **1:43**
